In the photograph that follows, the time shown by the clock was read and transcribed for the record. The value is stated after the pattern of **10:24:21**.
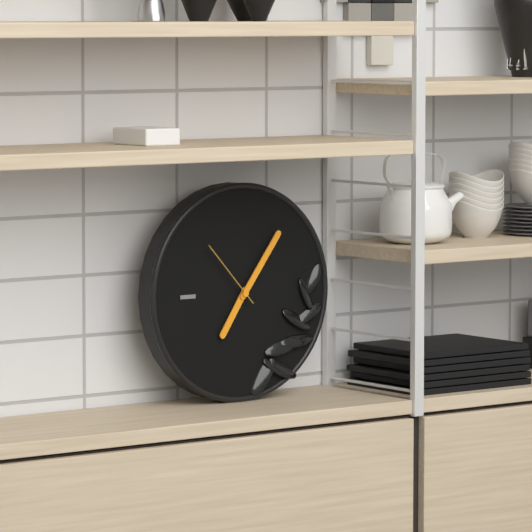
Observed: **7:06:53**
